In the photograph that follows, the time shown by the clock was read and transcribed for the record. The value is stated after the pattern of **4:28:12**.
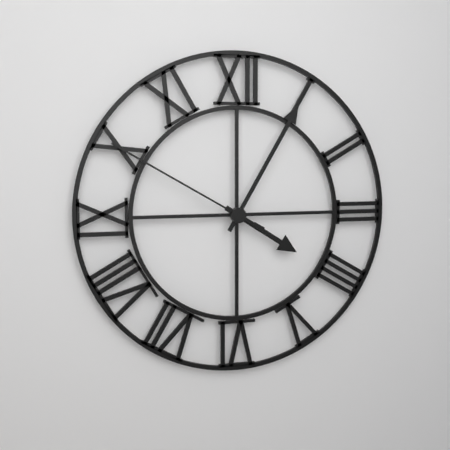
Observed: **4:05:50**
